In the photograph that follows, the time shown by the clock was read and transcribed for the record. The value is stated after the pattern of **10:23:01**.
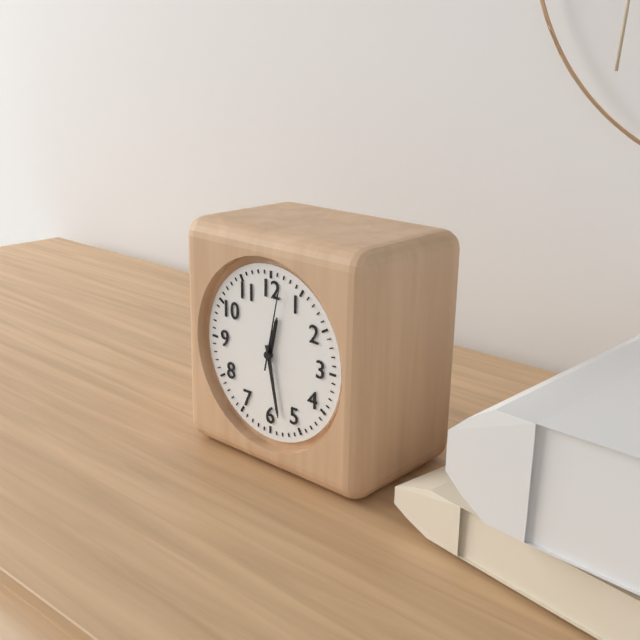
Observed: **12:28:02**
